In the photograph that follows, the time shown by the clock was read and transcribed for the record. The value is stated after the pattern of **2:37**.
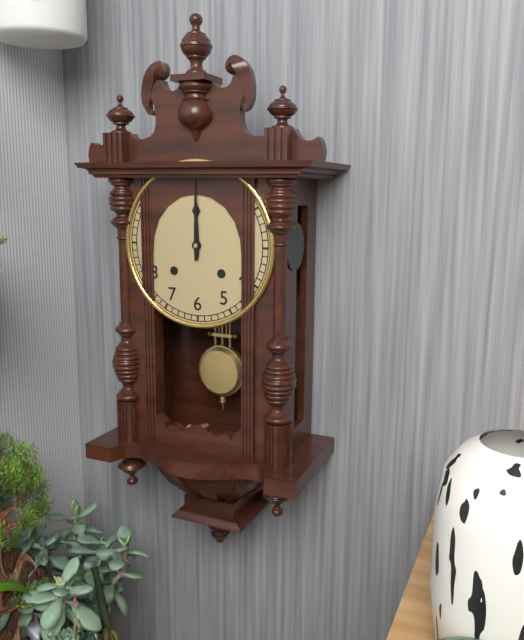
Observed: **12:00**
